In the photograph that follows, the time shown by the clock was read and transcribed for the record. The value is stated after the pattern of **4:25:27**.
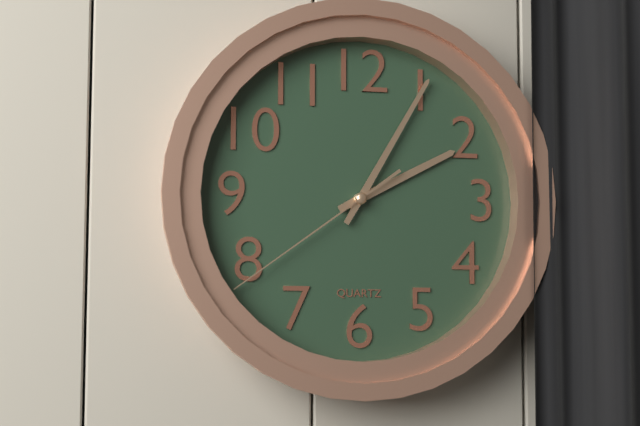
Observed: **2:05:39**
